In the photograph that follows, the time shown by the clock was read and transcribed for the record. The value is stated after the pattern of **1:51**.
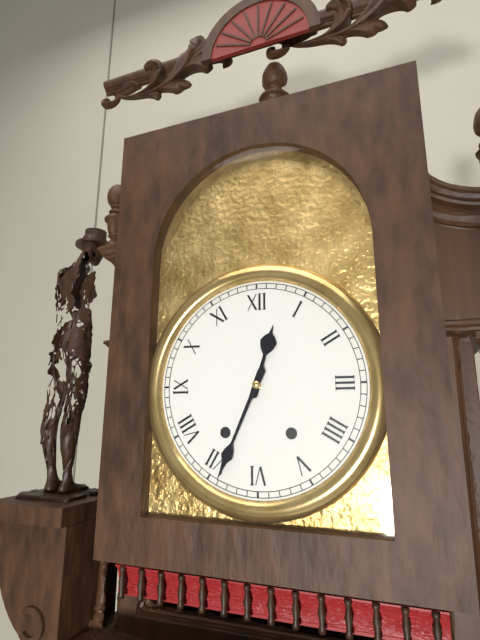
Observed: **12:34**
